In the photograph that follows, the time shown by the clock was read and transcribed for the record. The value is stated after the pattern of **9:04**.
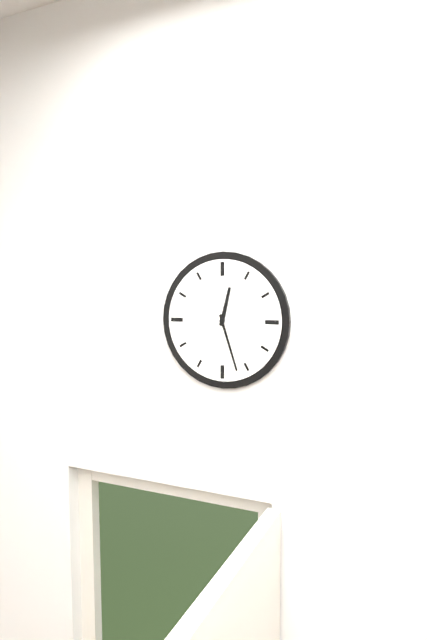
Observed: **12:27**
